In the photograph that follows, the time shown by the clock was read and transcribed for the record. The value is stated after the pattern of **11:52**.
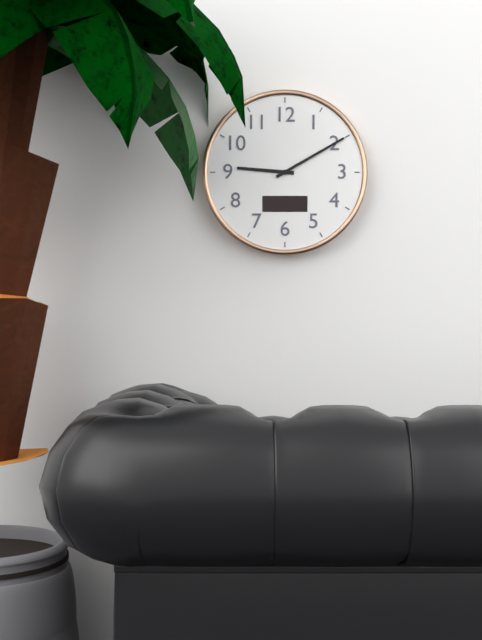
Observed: **9:10**
